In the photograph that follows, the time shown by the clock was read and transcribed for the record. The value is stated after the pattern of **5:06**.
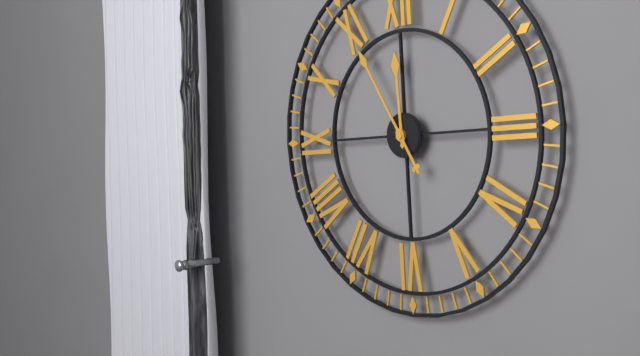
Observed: **11:55**
